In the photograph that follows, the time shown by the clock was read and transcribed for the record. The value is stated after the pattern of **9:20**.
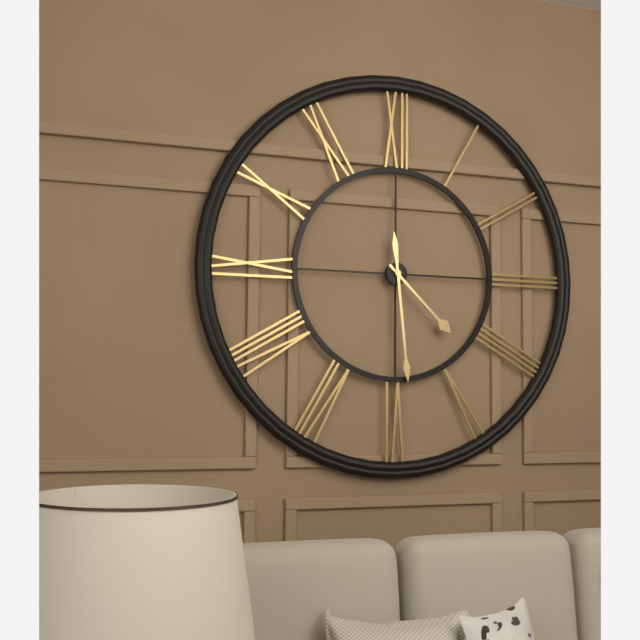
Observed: **4:29**
